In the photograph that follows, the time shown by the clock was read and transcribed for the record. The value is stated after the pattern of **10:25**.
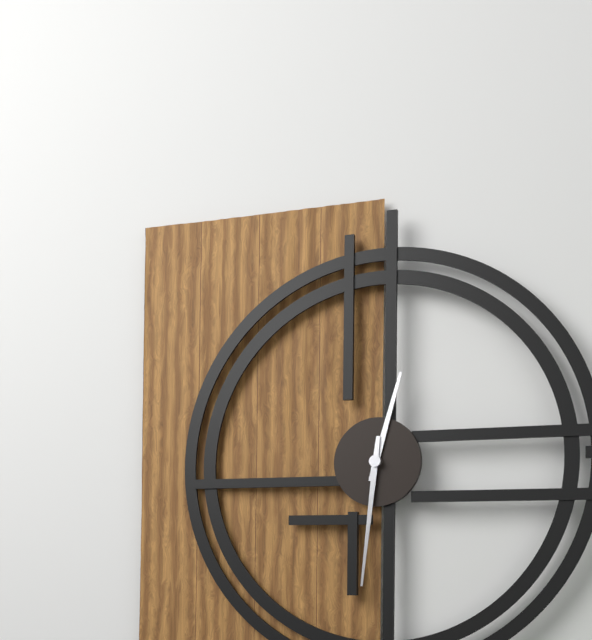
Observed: **12:31**
